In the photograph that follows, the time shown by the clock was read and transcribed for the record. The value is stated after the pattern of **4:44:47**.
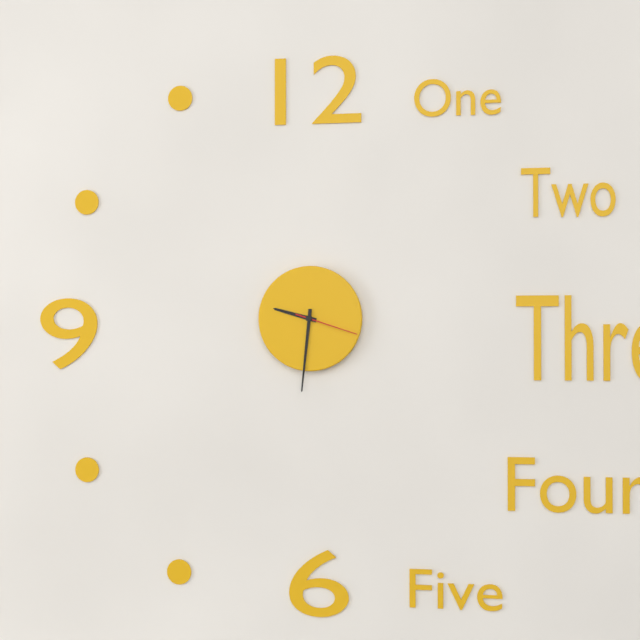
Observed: **9:31:18**
